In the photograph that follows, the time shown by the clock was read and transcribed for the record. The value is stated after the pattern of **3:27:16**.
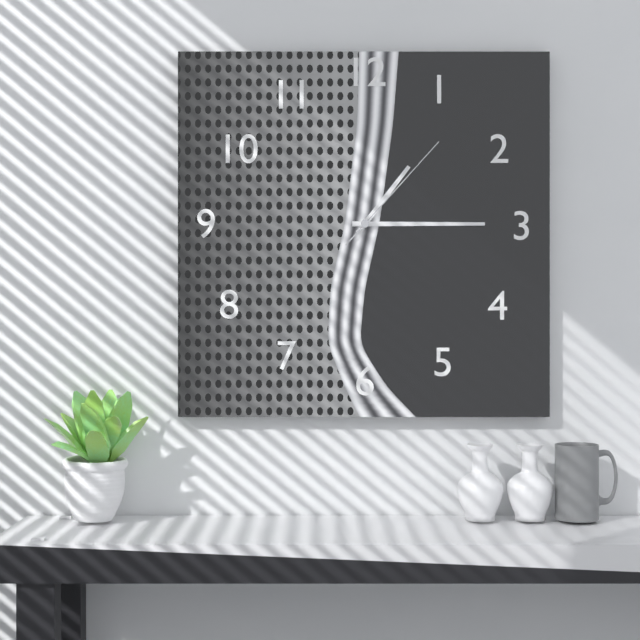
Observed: **1:15:07**
